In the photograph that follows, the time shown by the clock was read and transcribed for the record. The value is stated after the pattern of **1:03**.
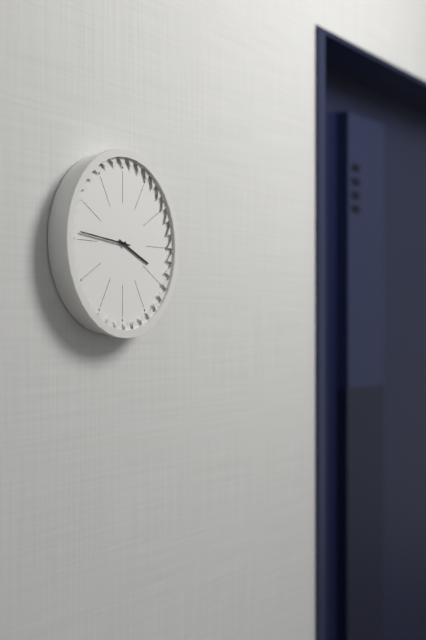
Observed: **3:46**
